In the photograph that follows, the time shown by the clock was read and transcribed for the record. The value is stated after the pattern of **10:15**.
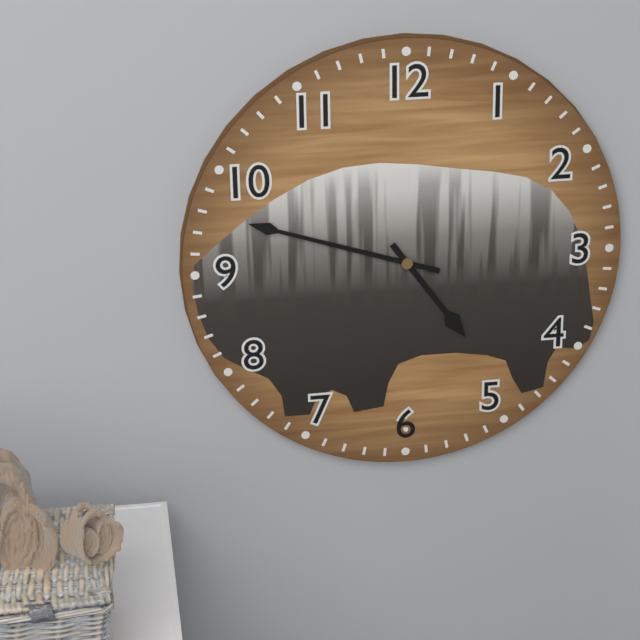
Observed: **4:48**
